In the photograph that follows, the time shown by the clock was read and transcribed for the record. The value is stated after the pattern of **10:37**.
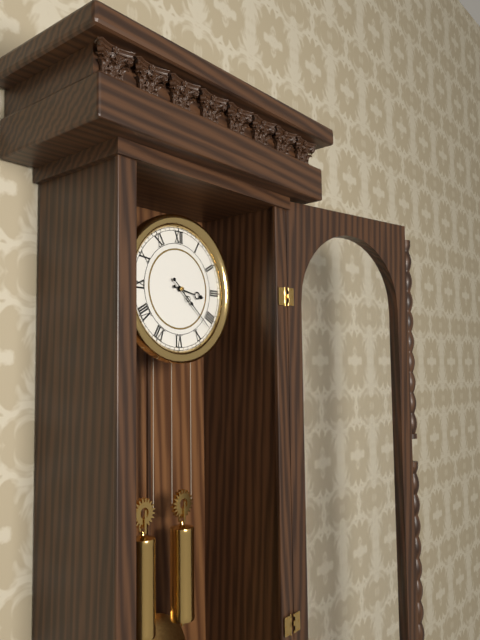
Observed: **3:22**
